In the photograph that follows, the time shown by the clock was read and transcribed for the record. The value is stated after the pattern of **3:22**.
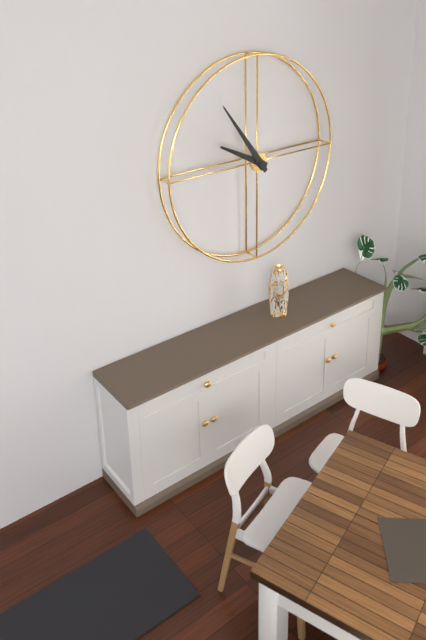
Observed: **9:54**
